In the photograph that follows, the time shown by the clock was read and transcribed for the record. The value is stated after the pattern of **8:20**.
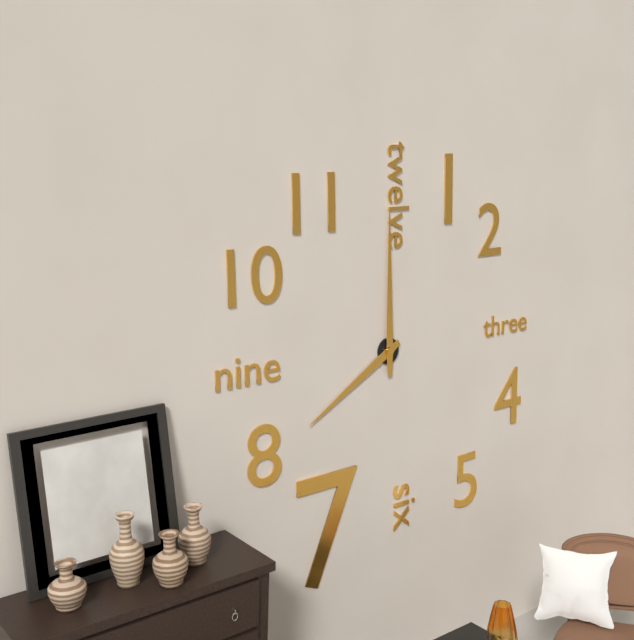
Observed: **8:00**
